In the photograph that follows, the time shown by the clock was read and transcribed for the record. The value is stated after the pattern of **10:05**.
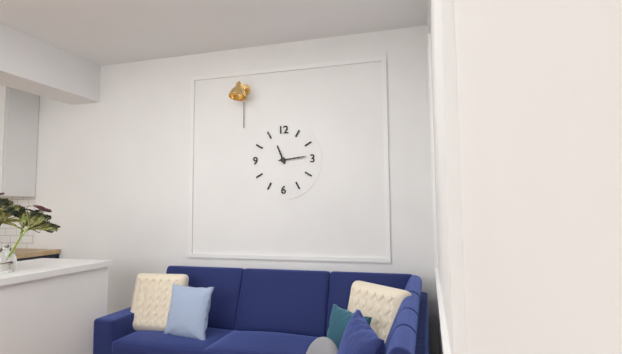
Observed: **11:14**
